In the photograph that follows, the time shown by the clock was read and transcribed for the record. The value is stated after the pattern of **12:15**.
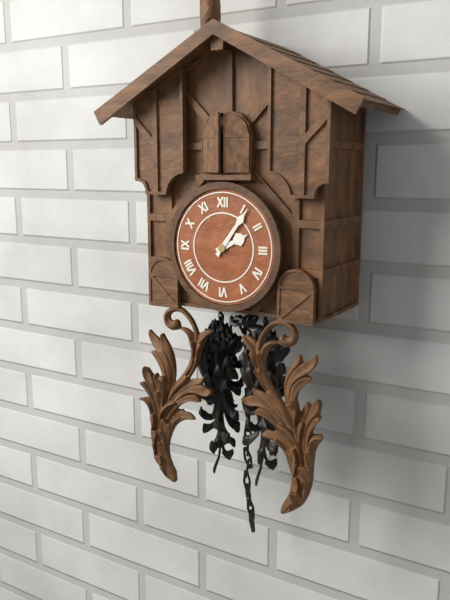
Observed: **2:06**
